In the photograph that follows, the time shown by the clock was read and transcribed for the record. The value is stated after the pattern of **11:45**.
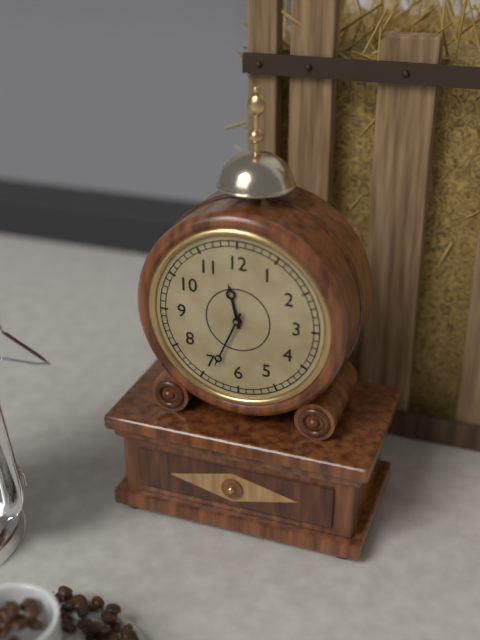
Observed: **11:34**
